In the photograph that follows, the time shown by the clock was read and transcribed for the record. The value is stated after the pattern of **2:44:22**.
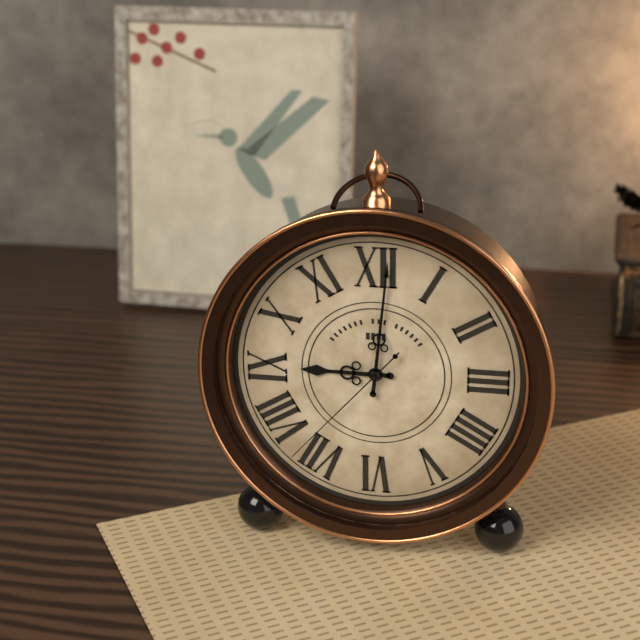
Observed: **9:01:37**
